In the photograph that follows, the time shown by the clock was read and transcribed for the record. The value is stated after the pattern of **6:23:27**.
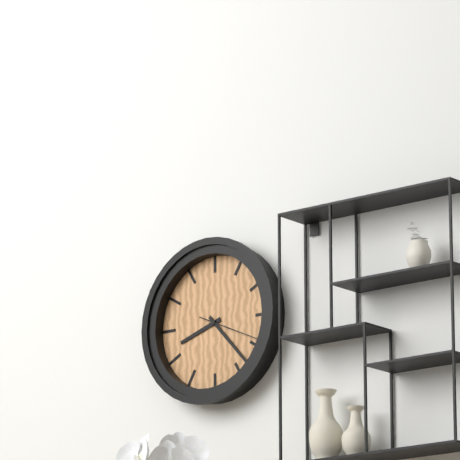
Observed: **8:23:19**
